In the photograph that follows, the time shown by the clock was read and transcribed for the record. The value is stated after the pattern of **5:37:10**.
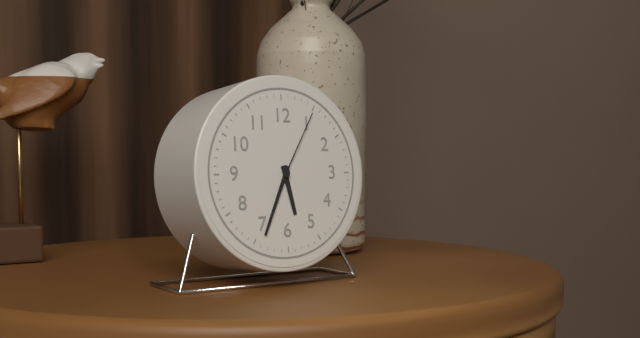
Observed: **5:34:05**
